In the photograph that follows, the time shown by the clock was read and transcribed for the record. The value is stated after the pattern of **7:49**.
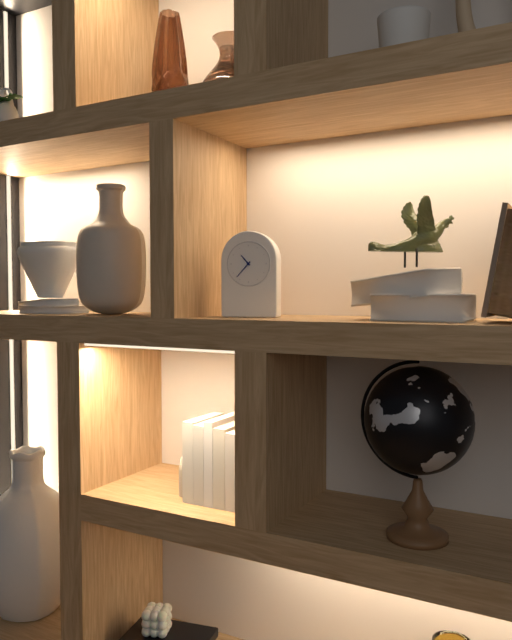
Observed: **10:37**
